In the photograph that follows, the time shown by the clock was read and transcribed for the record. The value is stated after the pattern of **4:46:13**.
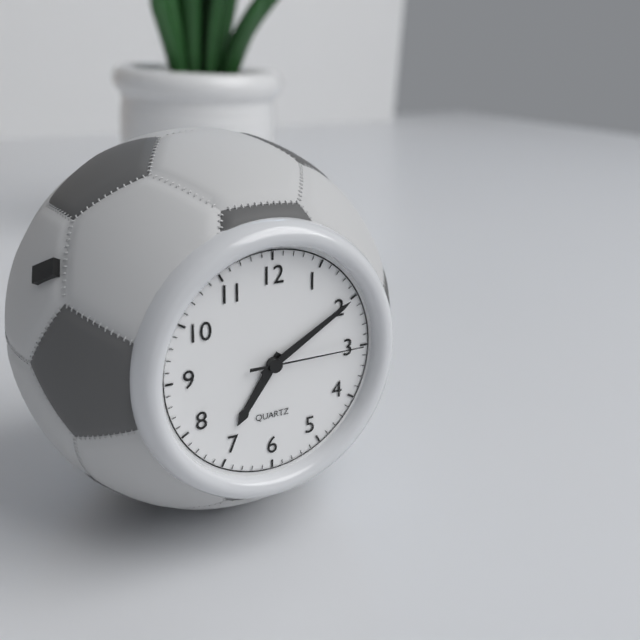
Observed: **7:10:15**
